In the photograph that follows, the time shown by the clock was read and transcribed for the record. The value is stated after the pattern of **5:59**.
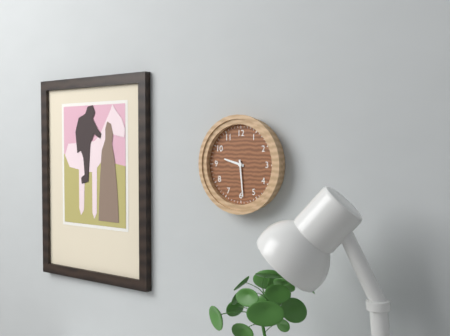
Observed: **9:29**
